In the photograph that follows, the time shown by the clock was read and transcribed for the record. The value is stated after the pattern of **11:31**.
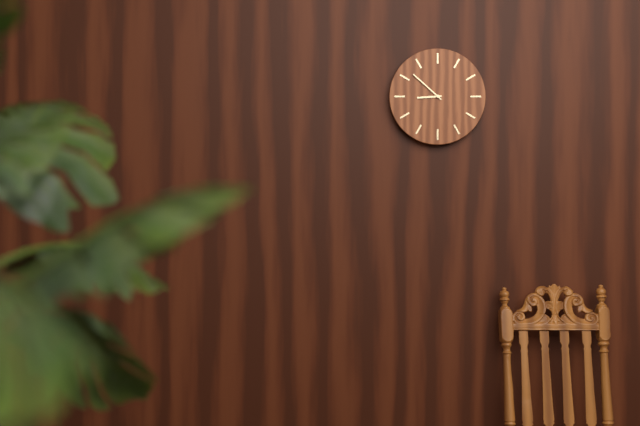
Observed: **8:52**
